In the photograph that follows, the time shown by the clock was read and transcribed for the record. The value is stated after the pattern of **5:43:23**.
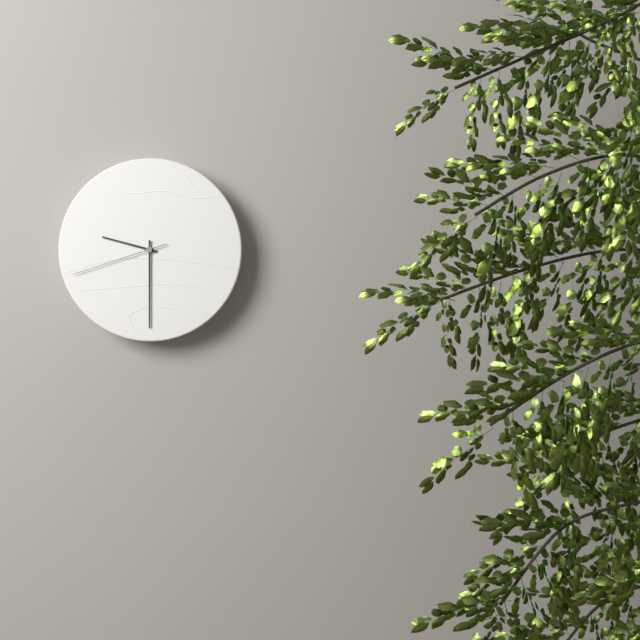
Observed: **9:30:42**
